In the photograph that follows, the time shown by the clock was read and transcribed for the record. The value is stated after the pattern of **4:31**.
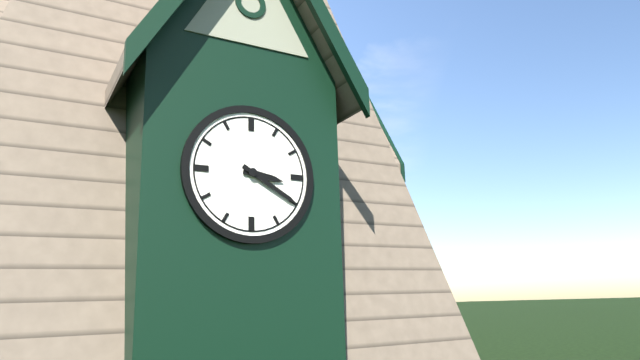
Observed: **3:20**
